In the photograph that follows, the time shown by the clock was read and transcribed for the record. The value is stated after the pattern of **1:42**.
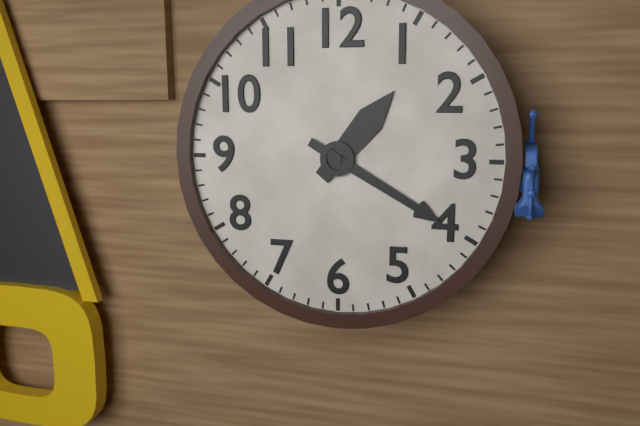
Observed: **1:20**
